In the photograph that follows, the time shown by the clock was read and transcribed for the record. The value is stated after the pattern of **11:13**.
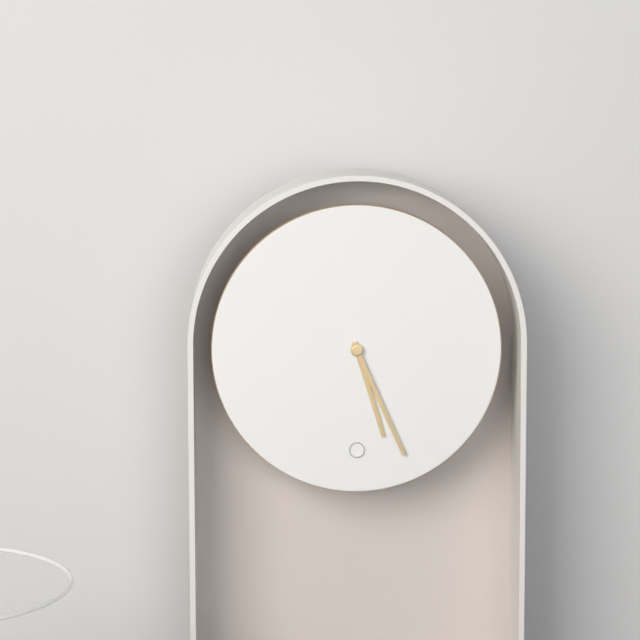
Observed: **5:26**
